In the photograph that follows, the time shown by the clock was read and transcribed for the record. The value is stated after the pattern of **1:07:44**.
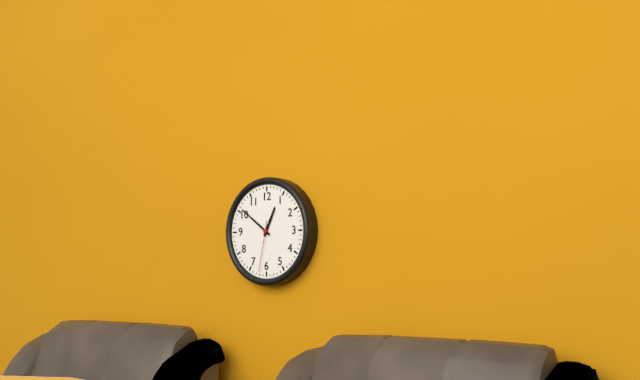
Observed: **12:51:32**
